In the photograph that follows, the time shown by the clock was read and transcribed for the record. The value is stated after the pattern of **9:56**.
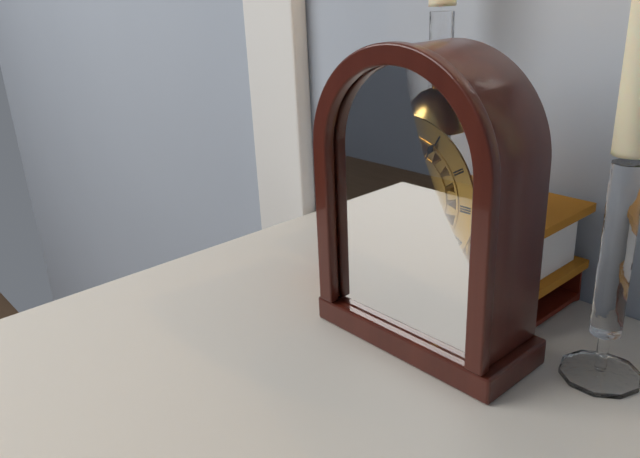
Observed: **6:05**
